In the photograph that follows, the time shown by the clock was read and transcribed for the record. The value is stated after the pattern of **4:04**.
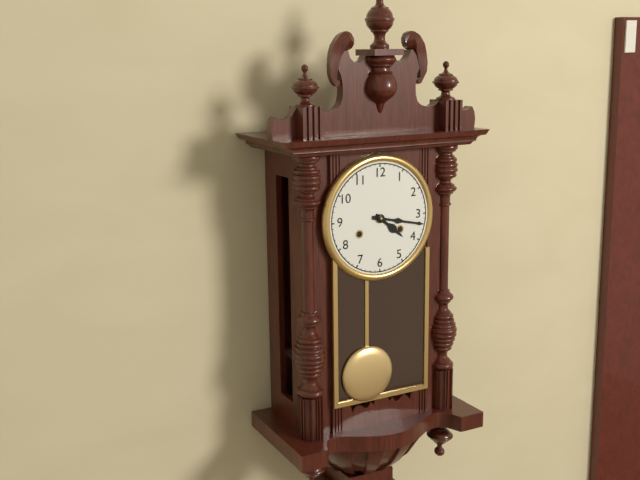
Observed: **4:17**
